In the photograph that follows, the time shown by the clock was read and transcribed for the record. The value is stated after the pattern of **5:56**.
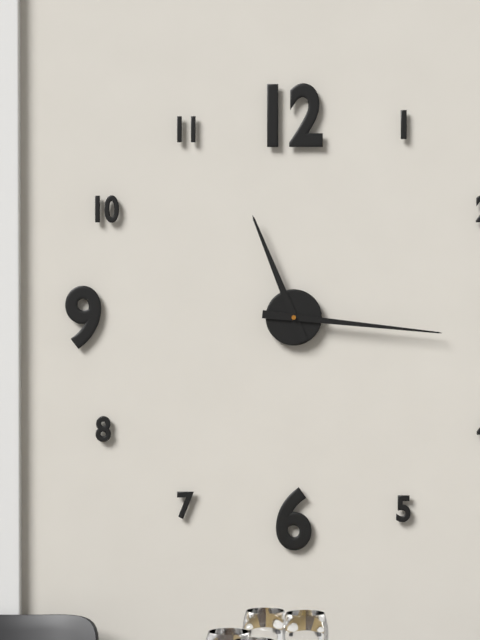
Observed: **11:16**
